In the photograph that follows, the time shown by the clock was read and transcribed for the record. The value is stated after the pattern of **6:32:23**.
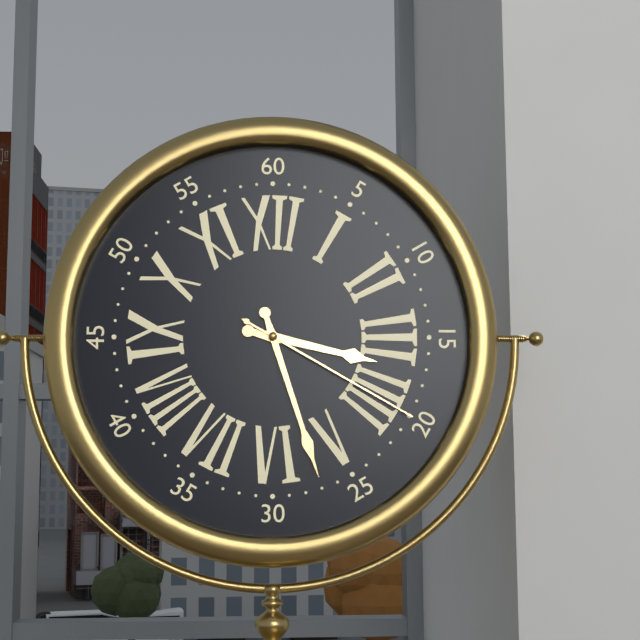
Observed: **3:27:20**
